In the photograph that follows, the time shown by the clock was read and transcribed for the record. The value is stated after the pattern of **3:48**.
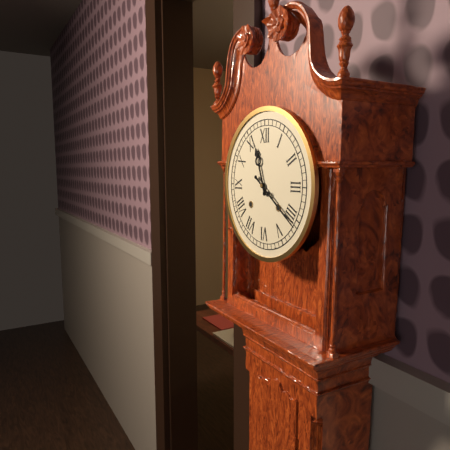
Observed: **11:21**
